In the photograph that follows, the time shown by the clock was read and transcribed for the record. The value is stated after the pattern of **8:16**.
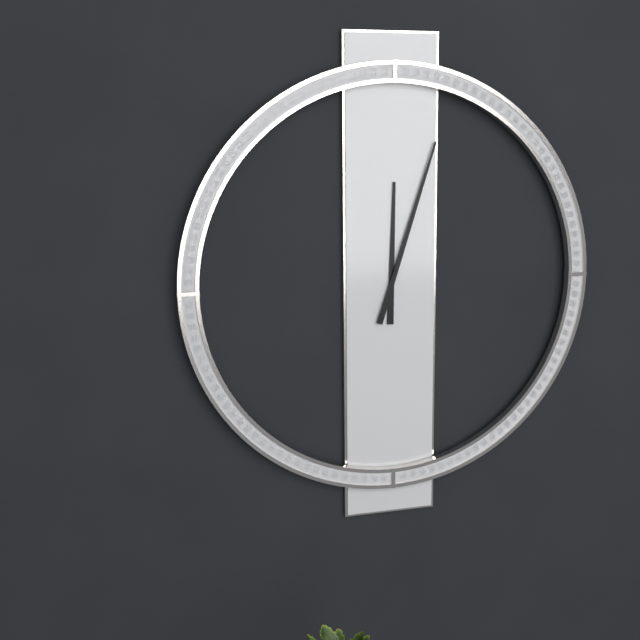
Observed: **12:03**
